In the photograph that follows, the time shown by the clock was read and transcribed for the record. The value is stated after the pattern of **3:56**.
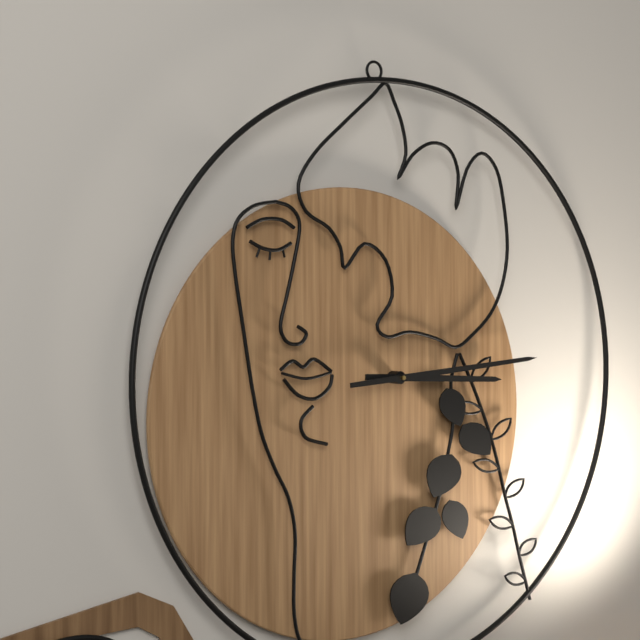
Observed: **3:15**
